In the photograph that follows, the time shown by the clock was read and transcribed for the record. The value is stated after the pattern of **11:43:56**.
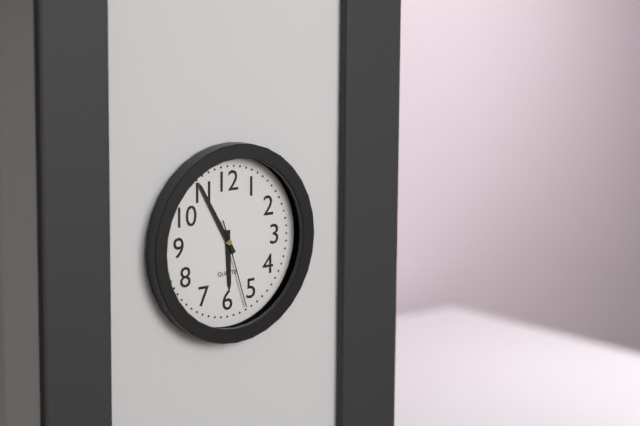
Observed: **5:55:27**
